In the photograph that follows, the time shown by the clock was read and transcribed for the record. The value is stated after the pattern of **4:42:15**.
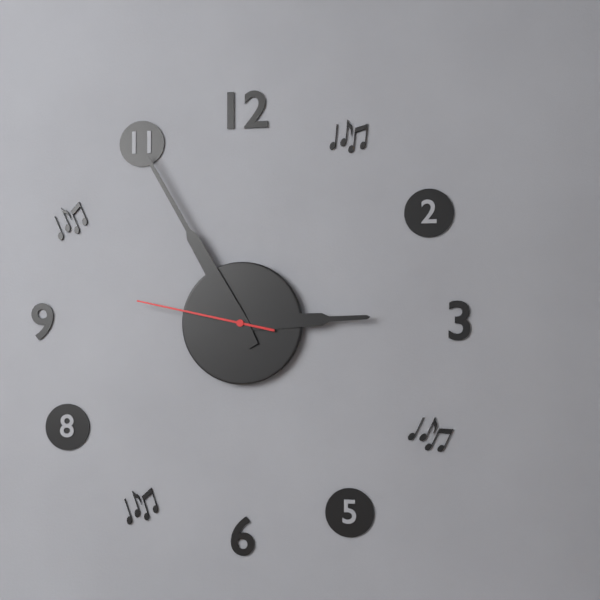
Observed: **2:55:47**
